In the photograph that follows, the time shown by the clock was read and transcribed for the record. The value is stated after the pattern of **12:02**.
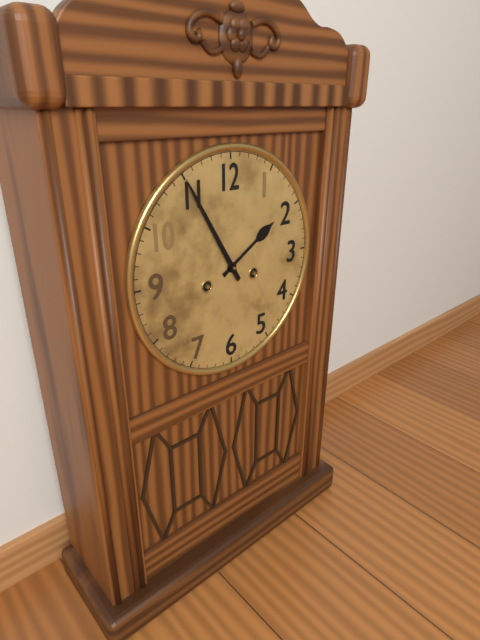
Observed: **1:55**
